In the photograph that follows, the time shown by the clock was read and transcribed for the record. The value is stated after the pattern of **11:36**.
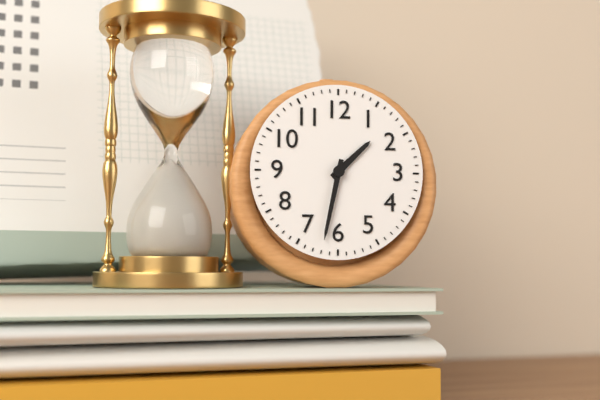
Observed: **1:32**
